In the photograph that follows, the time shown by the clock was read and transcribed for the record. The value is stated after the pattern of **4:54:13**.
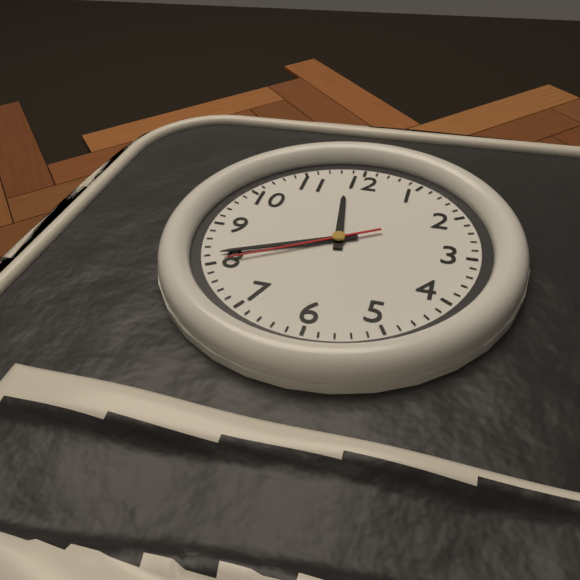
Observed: **11:41:40**
